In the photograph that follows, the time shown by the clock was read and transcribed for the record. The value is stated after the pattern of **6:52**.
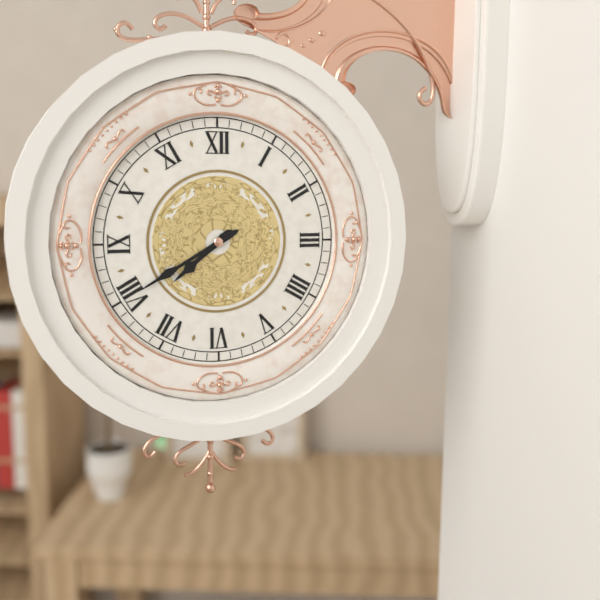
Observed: **7:40**
